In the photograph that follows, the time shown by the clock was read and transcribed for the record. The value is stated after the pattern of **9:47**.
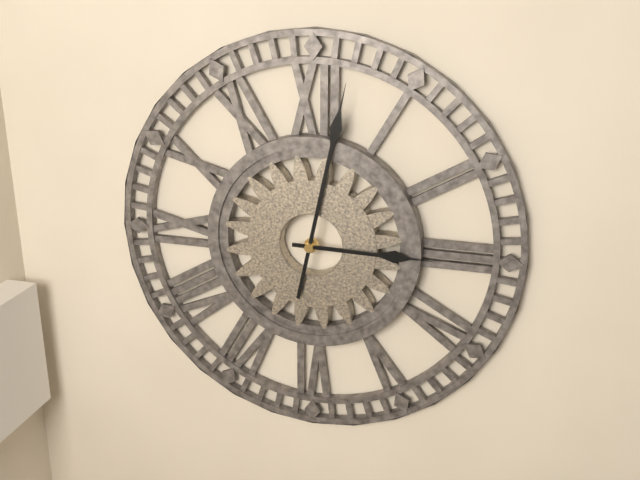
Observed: **3:02**
